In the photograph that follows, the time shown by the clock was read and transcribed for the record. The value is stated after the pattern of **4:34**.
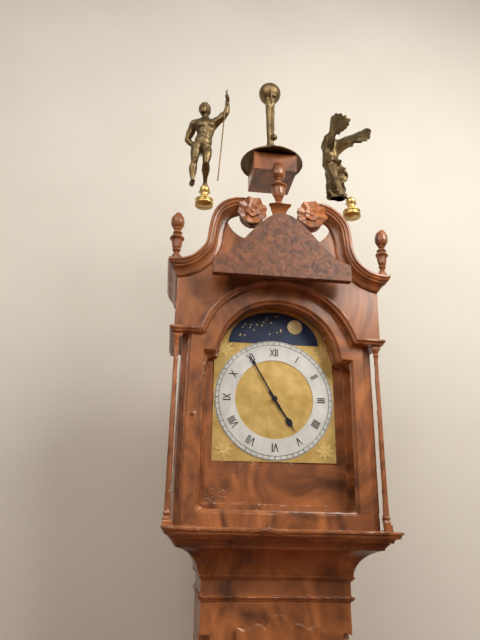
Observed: **4:55**
